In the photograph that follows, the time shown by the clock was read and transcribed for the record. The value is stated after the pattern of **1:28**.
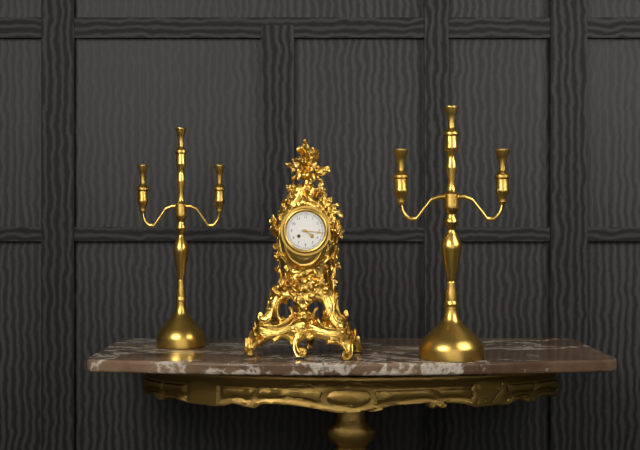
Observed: **4:16**
